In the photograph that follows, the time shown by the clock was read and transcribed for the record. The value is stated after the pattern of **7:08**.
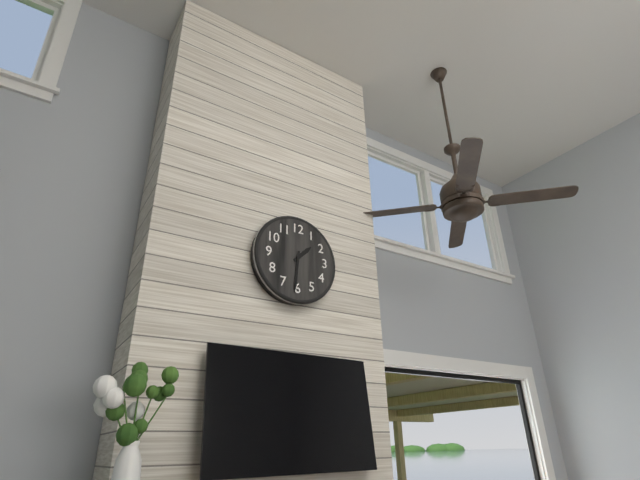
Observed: **1:31**
